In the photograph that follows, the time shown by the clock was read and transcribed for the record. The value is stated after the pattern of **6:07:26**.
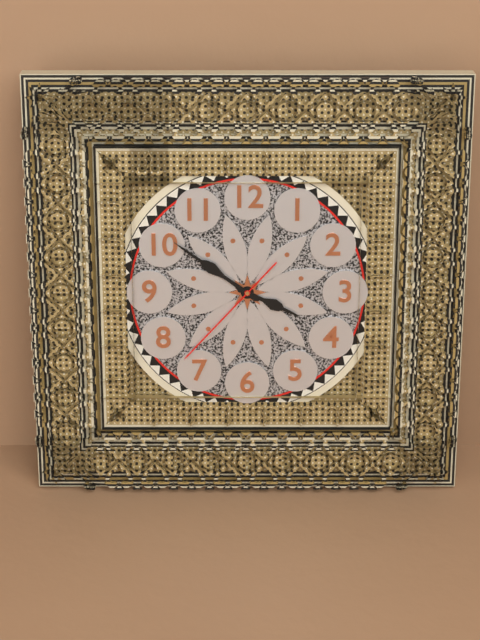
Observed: **3:51:37**
